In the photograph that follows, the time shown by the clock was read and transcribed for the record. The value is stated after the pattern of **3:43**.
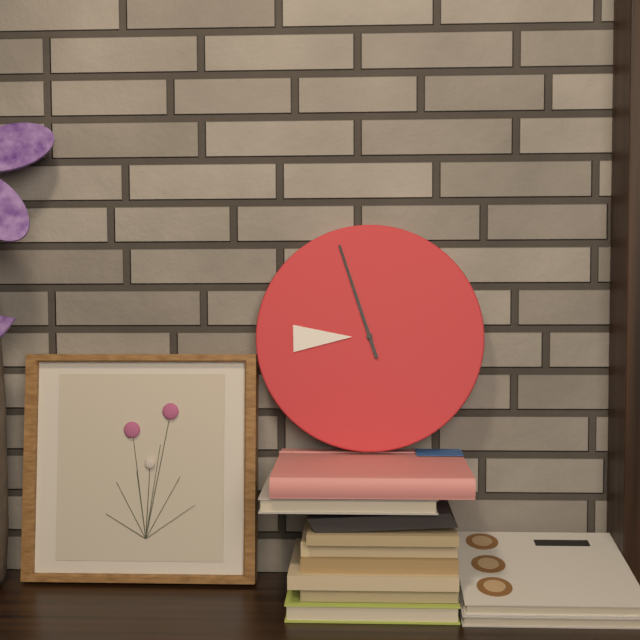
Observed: **8:57**
